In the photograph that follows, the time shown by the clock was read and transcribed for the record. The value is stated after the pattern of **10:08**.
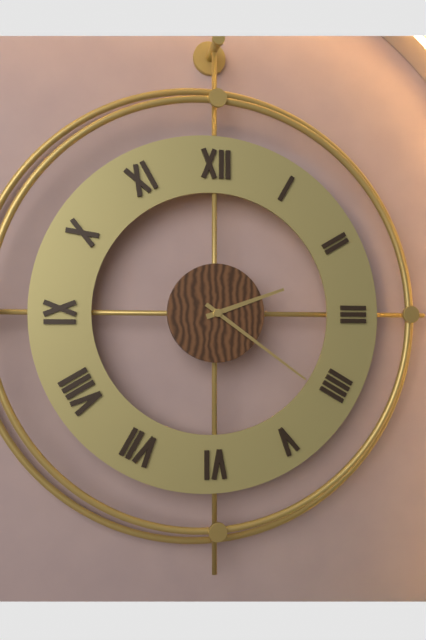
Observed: **2:21**
